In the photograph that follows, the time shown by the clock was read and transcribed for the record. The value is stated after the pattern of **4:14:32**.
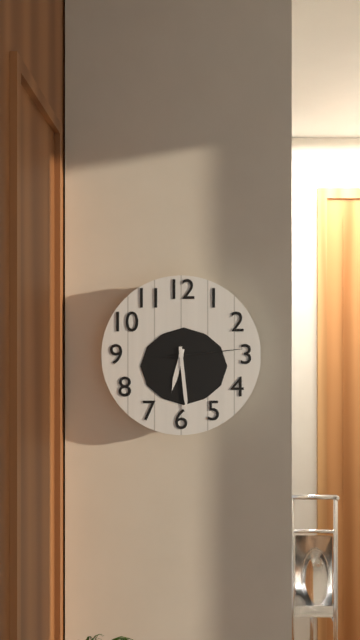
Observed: **6:29:14**
